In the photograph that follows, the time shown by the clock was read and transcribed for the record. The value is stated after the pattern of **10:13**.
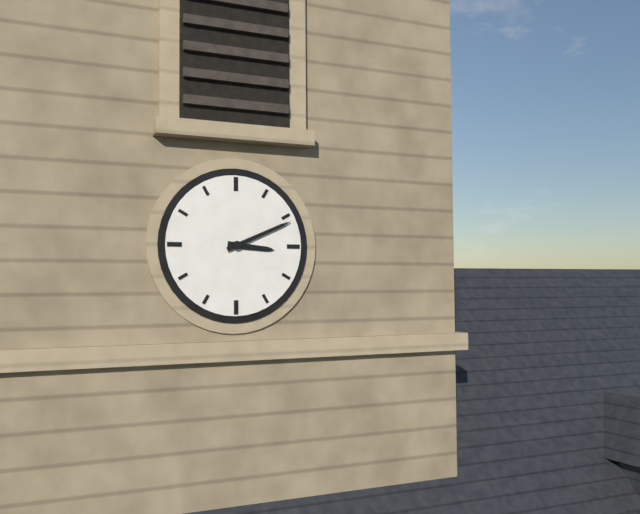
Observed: **3:11**
